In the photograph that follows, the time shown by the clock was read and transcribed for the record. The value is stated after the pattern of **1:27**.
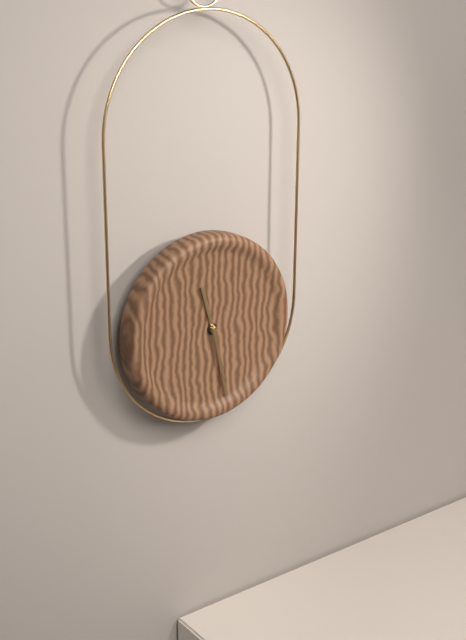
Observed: **11:28**
